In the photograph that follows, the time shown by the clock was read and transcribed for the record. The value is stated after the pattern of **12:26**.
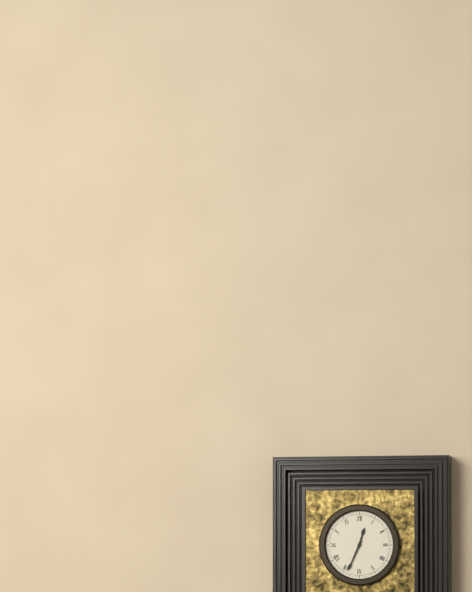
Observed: **12:34**
